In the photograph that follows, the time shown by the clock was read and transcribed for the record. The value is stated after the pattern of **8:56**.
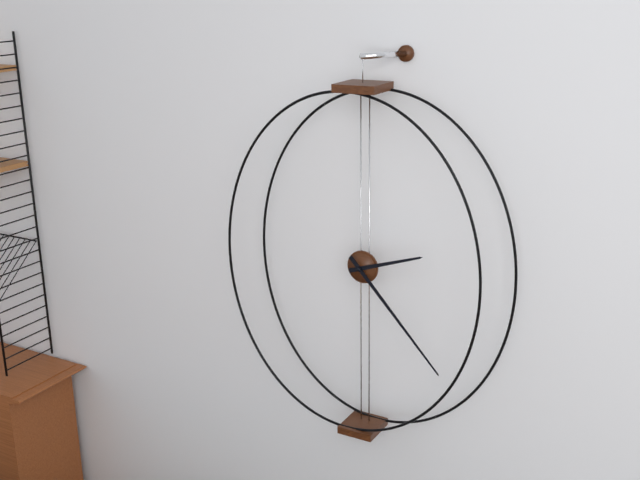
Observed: **2:23**
